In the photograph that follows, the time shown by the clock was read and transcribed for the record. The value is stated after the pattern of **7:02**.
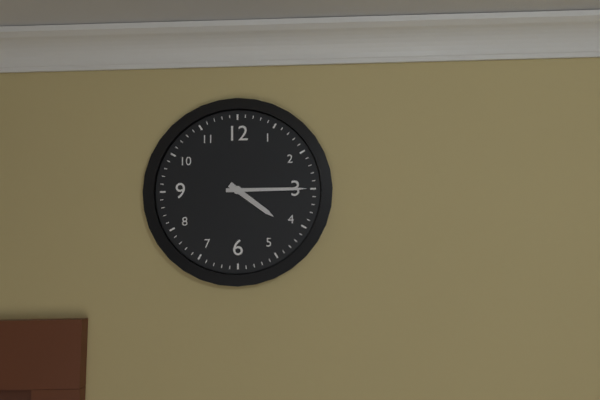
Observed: **4:15**
